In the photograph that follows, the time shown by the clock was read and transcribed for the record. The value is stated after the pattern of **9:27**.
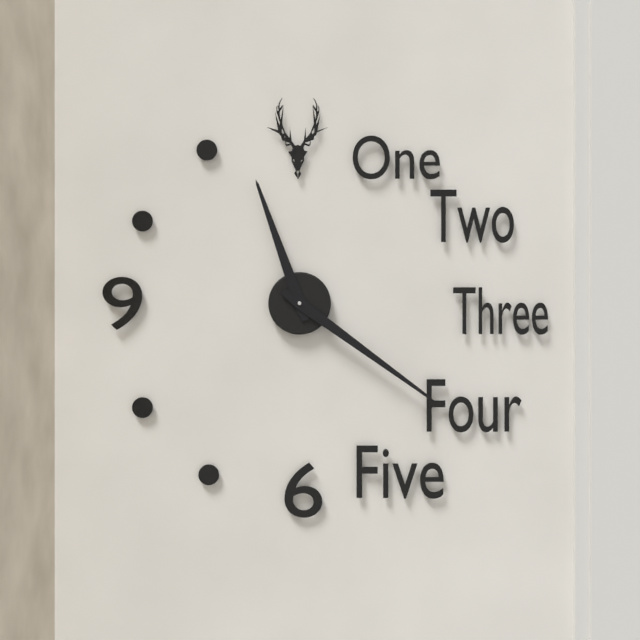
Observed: **11:21**
